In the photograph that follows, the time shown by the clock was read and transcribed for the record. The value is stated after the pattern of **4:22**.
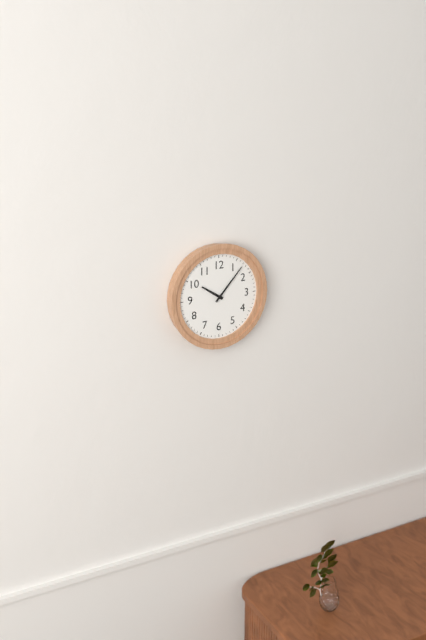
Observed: **10:07**
